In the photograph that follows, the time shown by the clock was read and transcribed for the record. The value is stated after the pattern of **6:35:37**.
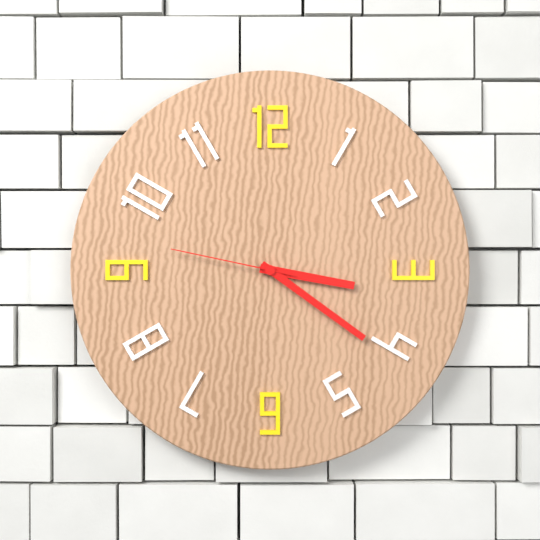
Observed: **3:21:47**
